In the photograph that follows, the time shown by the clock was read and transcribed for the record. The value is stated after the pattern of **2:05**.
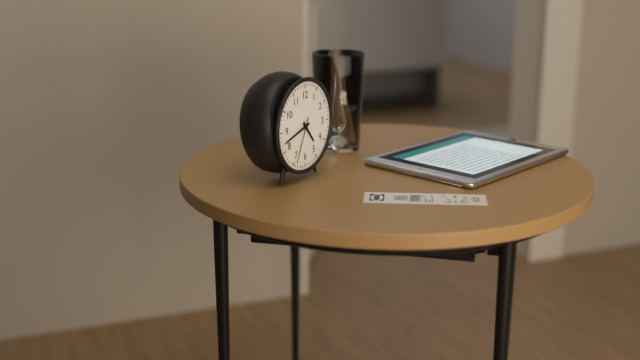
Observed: **4:42**
